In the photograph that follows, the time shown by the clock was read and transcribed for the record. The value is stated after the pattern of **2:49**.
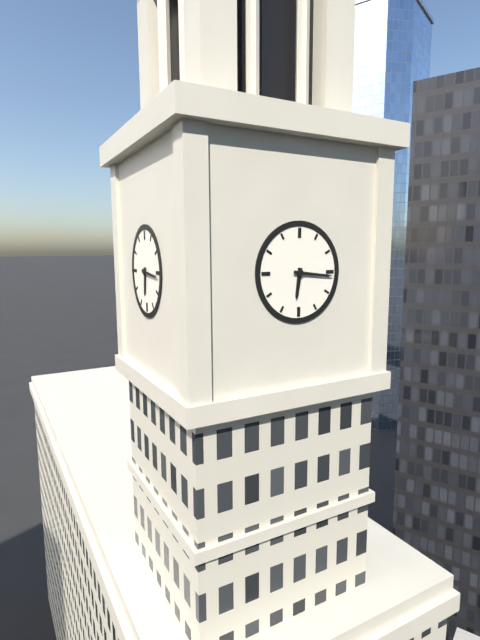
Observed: **6:16**
